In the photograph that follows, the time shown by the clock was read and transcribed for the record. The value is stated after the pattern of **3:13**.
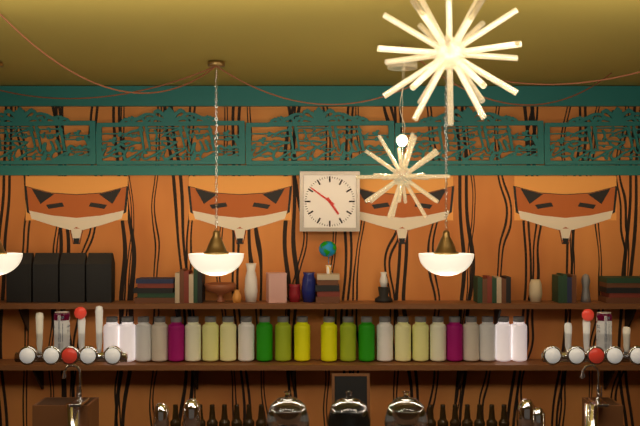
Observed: **4:51**
